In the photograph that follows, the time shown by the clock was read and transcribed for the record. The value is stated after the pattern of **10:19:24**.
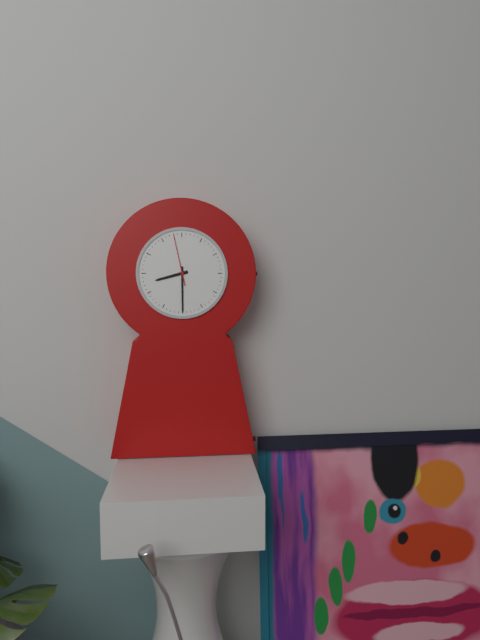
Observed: **8:30:58**
